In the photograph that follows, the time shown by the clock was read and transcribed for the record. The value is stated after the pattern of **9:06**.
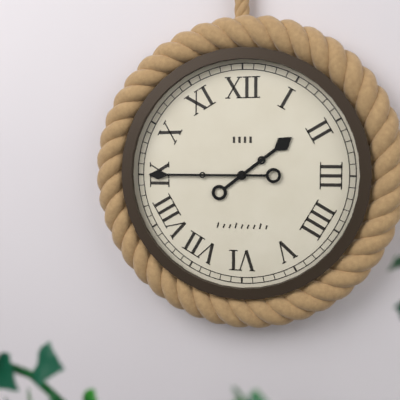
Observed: **1:45**
